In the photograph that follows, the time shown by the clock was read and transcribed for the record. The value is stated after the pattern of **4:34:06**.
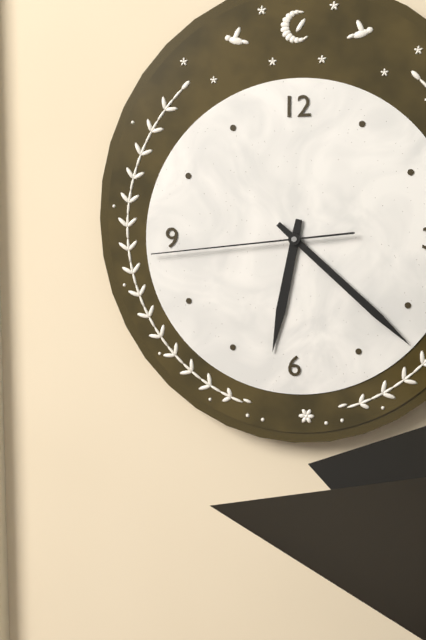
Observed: **6:22:44**
